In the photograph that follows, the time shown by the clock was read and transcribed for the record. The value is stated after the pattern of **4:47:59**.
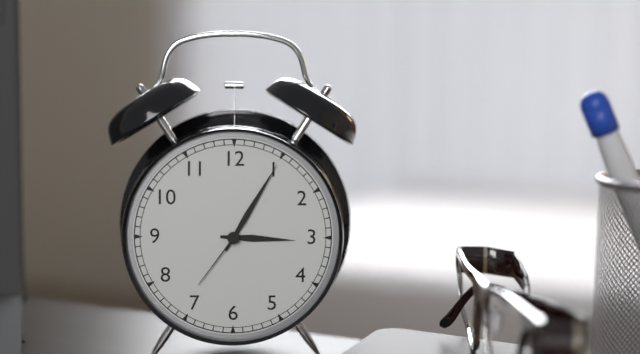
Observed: **3:05:36**
